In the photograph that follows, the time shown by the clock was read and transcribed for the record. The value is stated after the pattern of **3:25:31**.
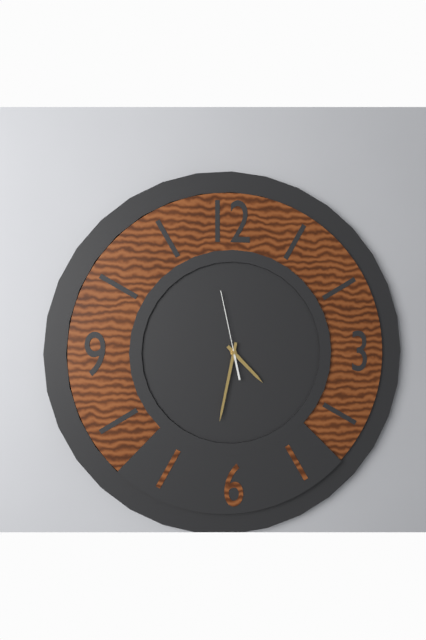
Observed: **4:32:58**
